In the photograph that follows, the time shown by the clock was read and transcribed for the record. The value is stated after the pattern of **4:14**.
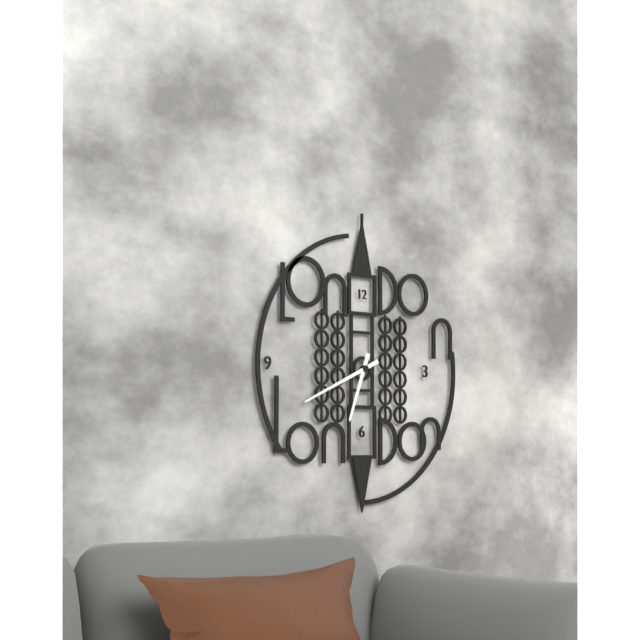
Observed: **6:41**
